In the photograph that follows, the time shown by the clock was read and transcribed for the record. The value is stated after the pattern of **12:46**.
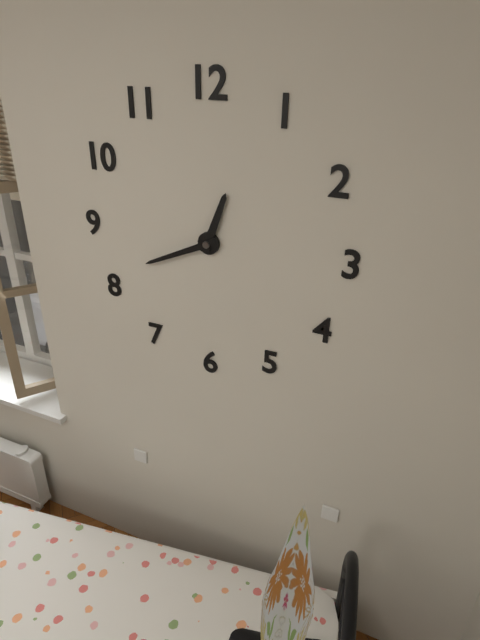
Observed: **12:41**
